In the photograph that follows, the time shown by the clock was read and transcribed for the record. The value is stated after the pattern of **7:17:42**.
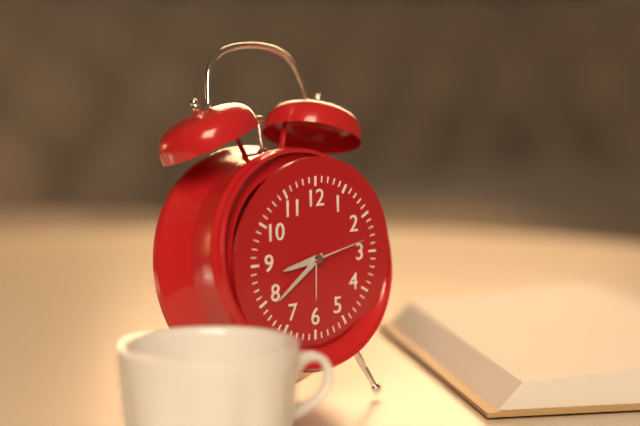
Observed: **8:39:13**
